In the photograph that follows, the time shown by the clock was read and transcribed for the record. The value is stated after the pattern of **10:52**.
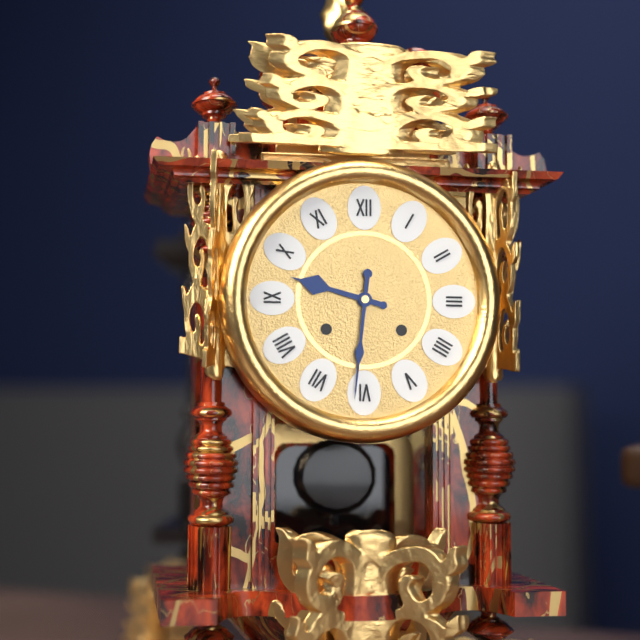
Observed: **9:31**
